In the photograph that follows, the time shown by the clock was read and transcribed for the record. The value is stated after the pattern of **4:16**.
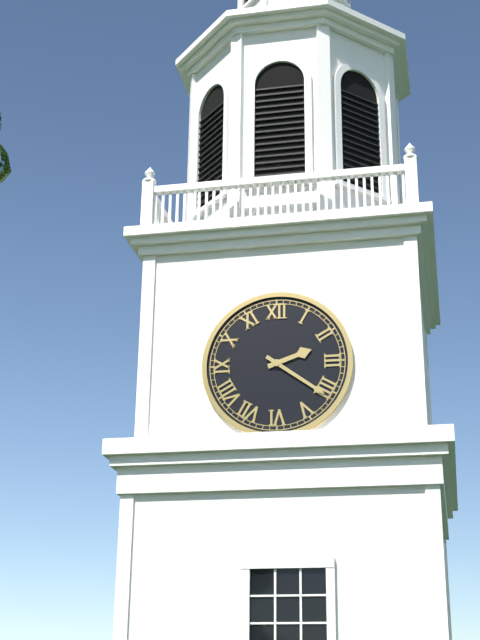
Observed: **2:21**
